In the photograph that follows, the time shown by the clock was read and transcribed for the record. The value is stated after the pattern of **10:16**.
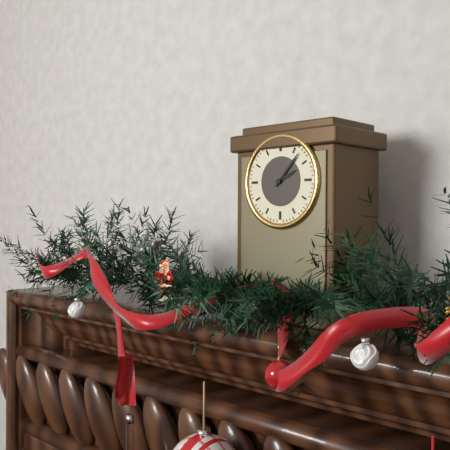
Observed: **2:07**
